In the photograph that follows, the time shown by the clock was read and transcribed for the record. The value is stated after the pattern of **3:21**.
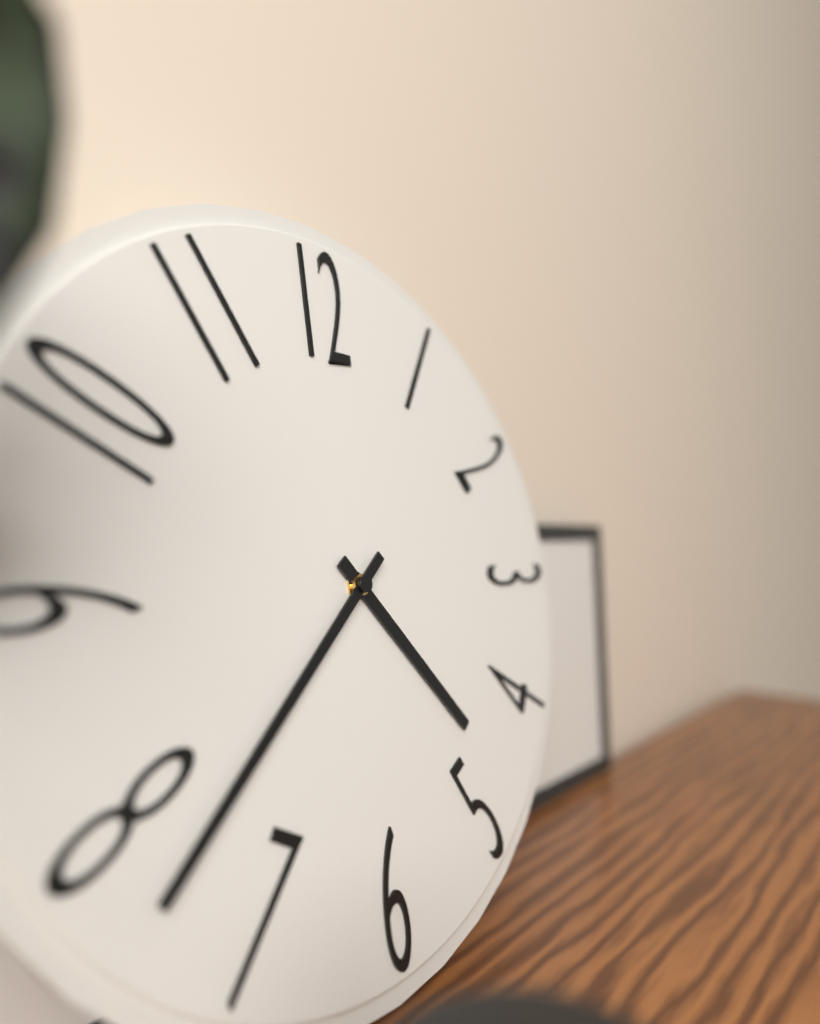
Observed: **4:38**
